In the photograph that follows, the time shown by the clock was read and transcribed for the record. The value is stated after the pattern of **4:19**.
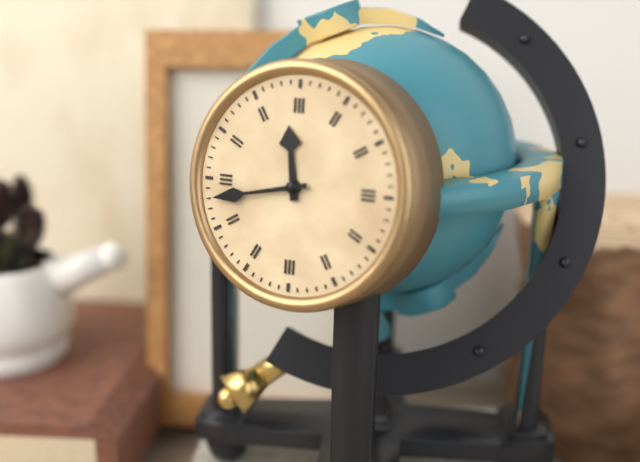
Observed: **11:43**
